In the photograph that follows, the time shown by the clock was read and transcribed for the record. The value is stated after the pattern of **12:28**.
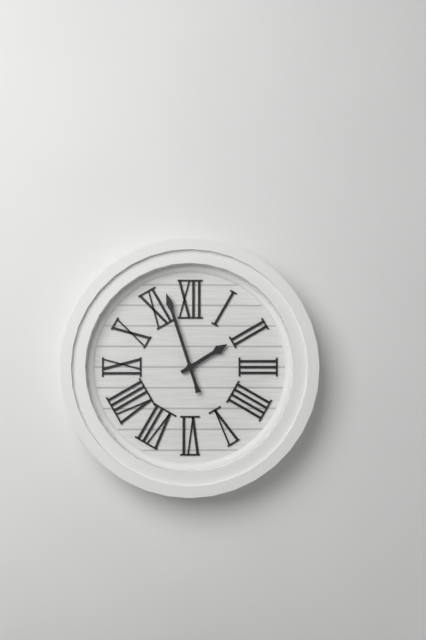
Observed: **1:57**
